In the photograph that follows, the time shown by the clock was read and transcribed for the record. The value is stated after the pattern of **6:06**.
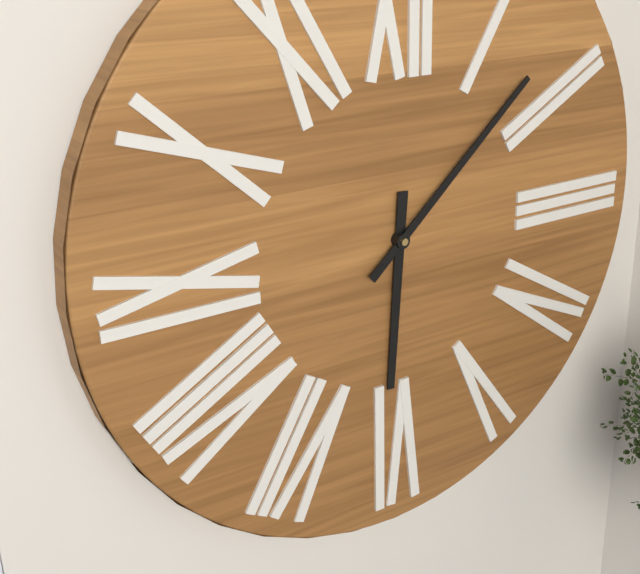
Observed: **6:08**
